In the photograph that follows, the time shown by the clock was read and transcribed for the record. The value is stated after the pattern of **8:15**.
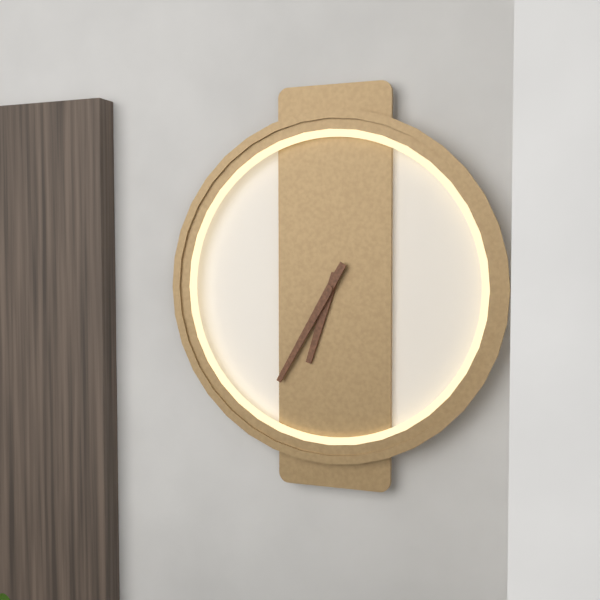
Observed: **6:35**
